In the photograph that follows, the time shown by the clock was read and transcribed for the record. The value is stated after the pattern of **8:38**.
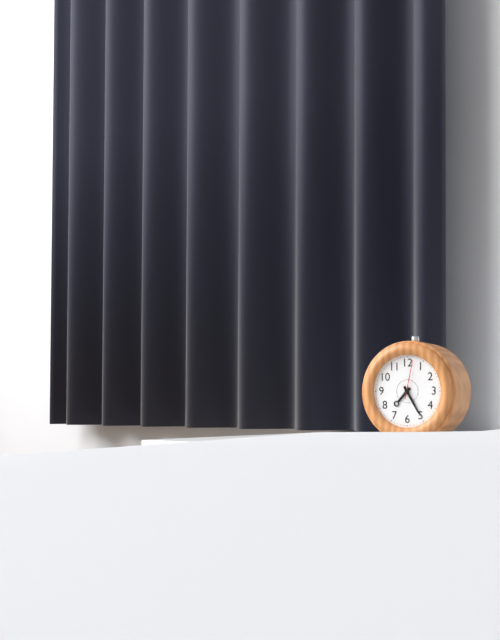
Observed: **7:25**
